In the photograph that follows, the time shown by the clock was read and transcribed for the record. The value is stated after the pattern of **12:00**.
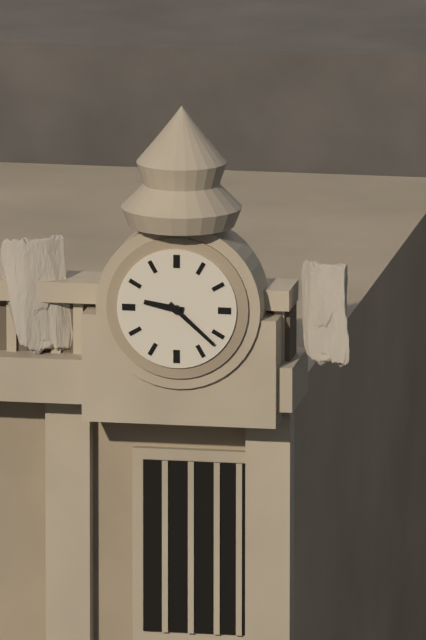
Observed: **9:22**
